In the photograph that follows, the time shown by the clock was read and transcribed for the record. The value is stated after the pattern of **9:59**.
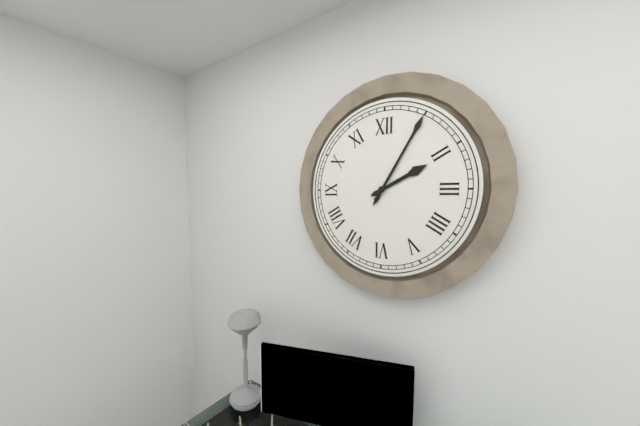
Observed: **2:05**
